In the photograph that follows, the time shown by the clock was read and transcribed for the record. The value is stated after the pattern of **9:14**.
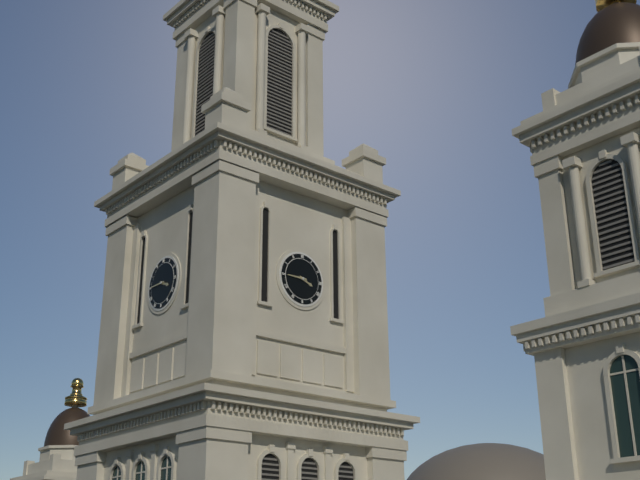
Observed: **3:45**
